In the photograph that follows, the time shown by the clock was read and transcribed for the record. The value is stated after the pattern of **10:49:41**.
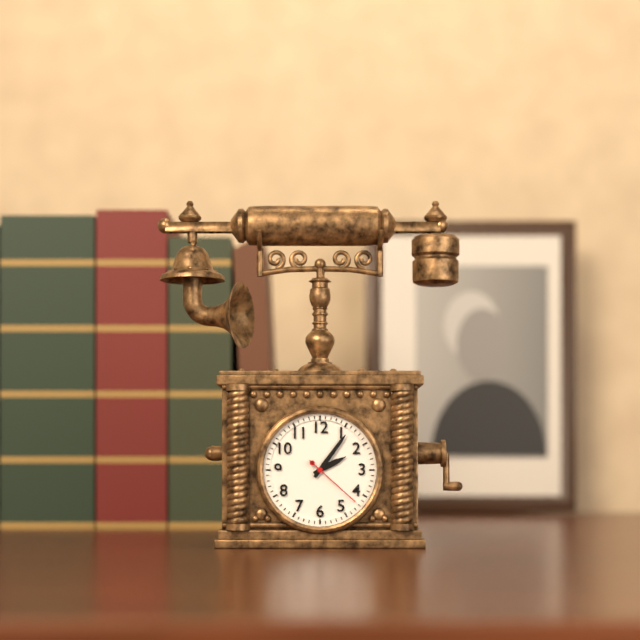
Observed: **2:06:22**
